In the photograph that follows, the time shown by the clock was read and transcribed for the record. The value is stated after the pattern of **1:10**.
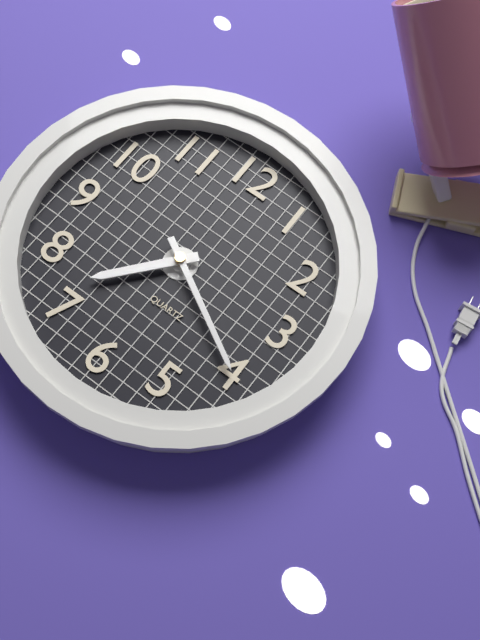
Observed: **7:20**
